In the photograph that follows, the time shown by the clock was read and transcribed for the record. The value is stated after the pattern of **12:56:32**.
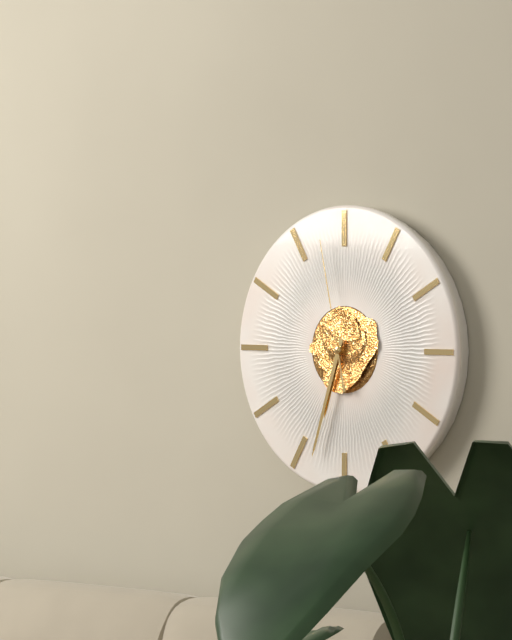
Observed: **6:33:58**
